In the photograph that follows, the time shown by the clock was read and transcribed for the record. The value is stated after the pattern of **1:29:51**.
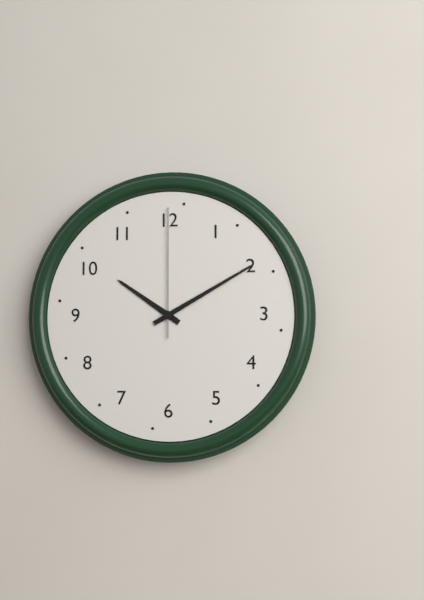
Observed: **10:10:00**
